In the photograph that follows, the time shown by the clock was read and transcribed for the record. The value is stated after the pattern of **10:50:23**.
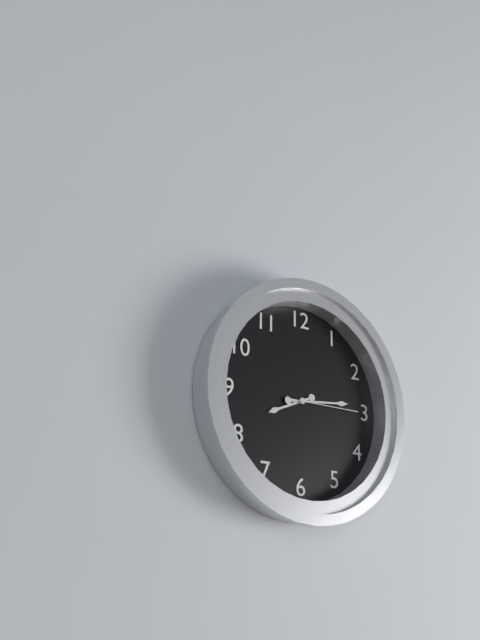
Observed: **8:14:15**
